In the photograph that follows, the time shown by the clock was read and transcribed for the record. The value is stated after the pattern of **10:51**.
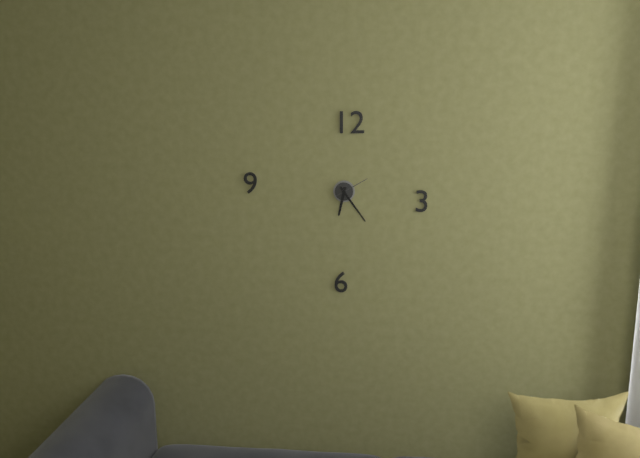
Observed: **6:24**
